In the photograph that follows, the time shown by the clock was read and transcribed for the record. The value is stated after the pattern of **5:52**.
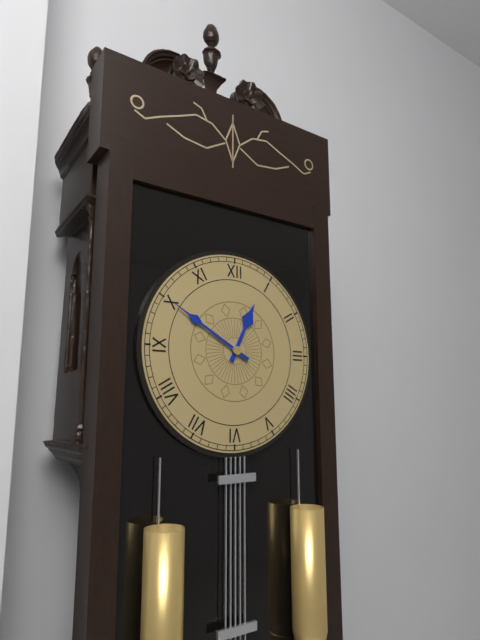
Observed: **12:50**
